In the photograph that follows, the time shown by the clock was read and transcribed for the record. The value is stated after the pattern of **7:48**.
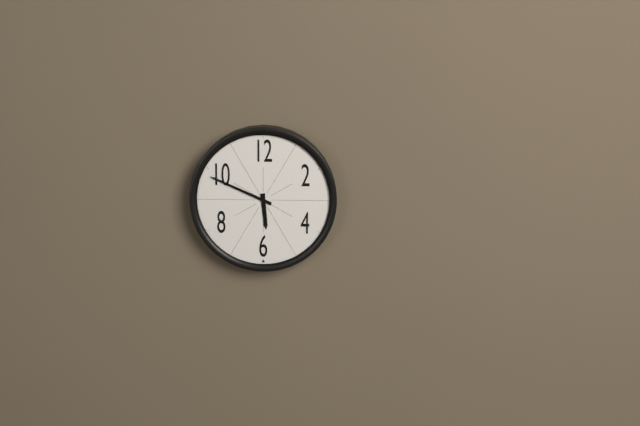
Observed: **5:49**
